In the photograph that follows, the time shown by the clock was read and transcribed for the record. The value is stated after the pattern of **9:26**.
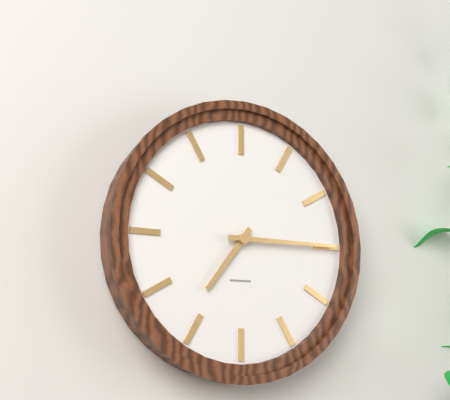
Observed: **7:15**
